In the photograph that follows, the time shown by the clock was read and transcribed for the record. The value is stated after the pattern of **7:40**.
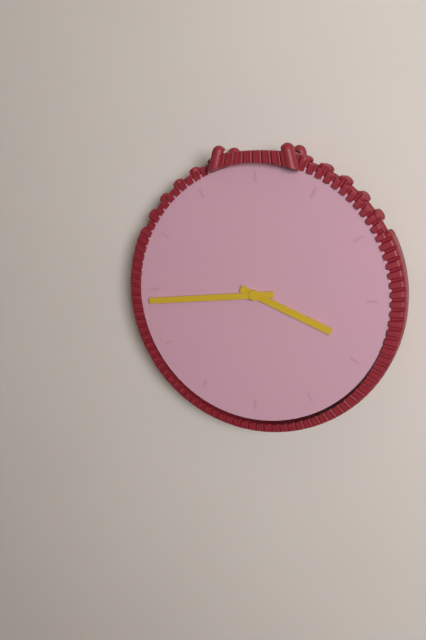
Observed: **3:44**
